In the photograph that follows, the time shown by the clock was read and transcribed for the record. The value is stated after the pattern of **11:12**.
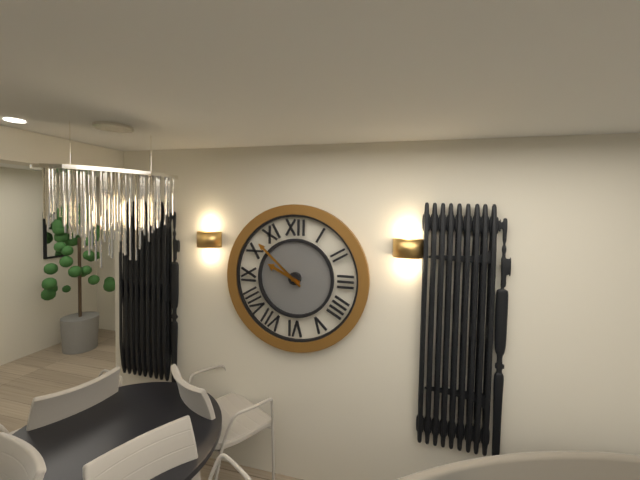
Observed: **9:52**
